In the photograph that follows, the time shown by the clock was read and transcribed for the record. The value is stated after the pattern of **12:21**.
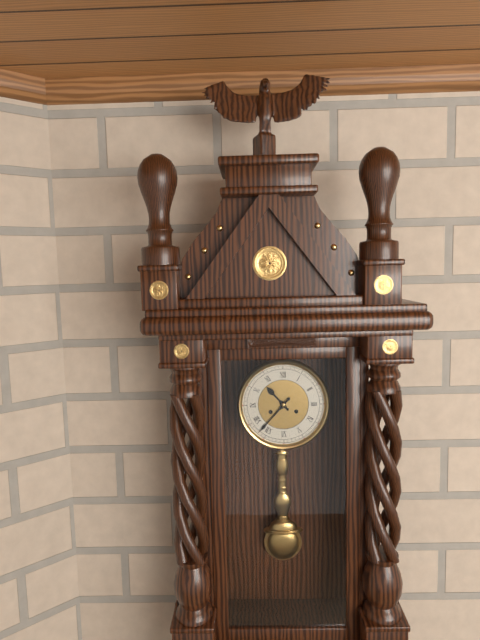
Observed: **10:37**
